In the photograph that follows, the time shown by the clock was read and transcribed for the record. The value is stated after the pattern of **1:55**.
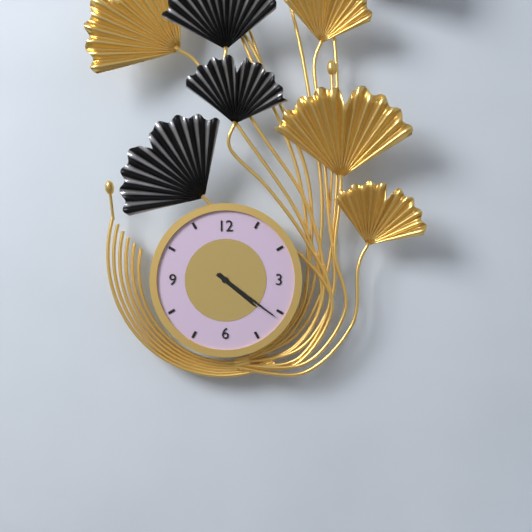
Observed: **4:21**
